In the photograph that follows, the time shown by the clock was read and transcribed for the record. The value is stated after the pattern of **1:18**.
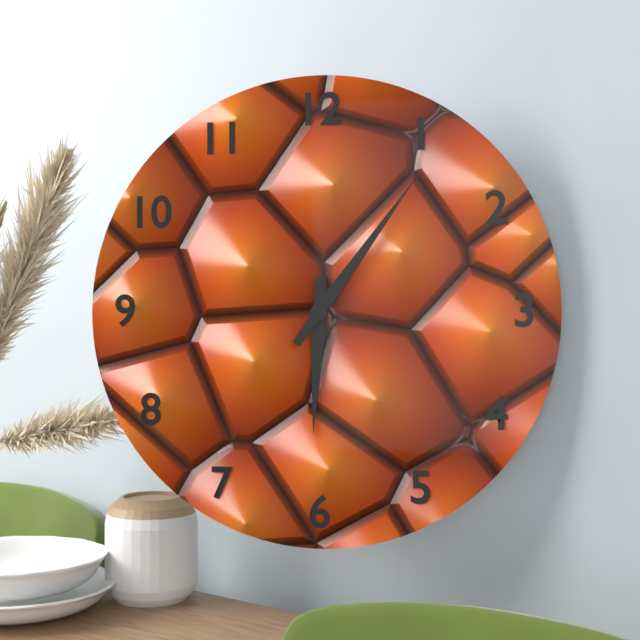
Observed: **6:06**
